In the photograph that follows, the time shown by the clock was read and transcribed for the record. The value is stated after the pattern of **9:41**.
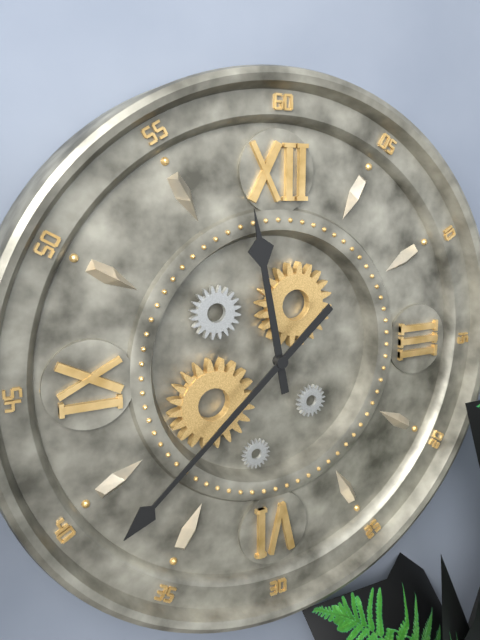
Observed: **11:38**
